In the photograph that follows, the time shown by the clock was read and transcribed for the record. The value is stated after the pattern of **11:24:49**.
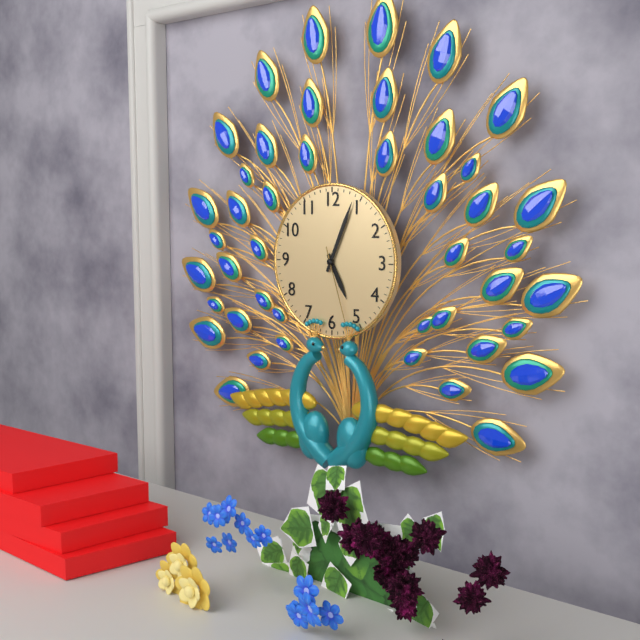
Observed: **5:04:27**
